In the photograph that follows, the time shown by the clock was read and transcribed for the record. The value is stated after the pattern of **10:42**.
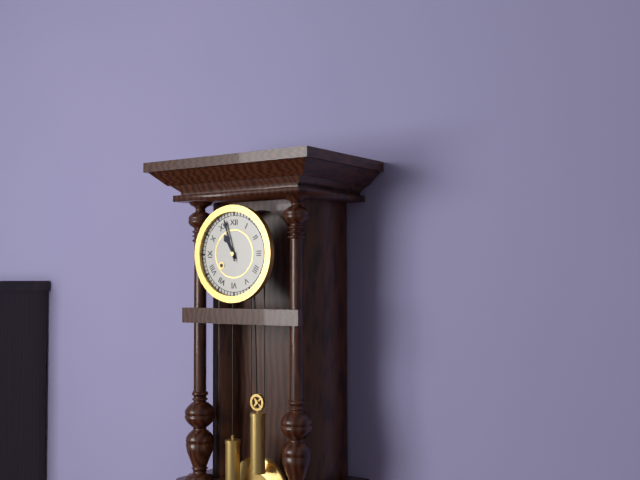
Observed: **10:57**
